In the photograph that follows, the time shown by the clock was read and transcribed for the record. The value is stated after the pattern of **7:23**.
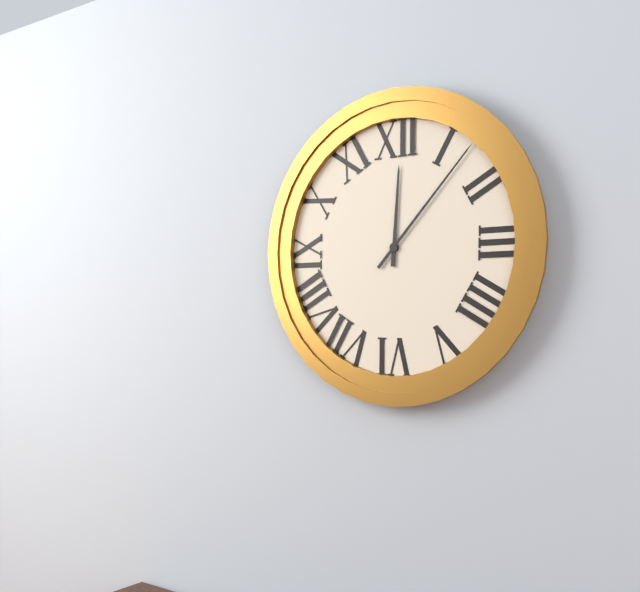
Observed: **12:07**
